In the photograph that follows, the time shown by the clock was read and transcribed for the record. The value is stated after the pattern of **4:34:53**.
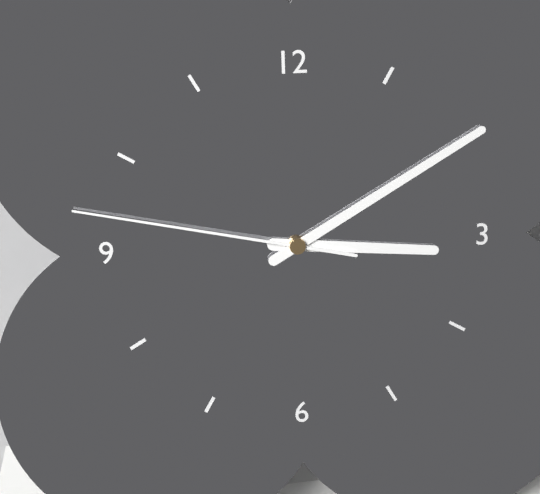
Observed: **3:10:47**
